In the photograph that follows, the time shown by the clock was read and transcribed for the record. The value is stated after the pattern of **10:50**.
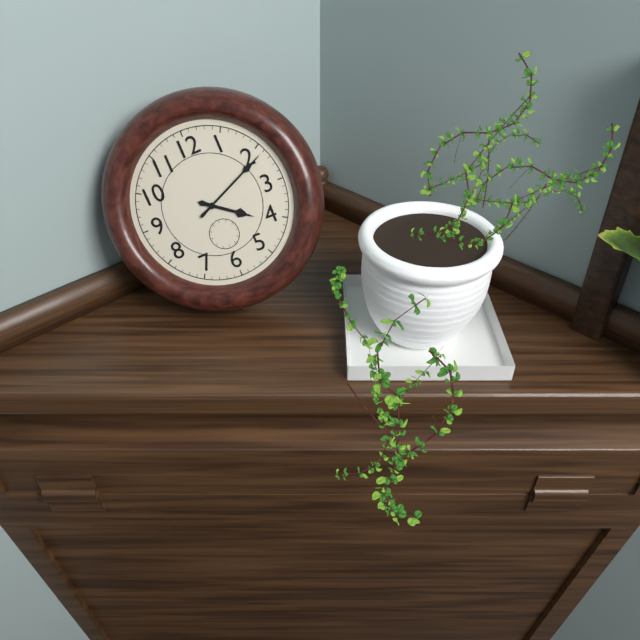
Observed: **4:11**
